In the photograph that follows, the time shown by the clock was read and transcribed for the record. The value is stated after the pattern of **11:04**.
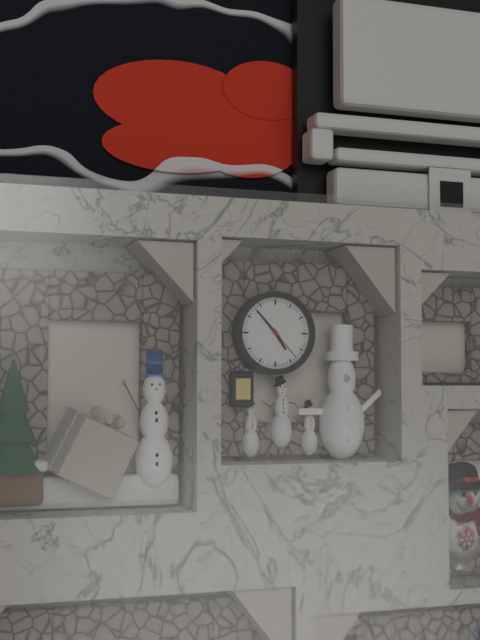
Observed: **4:53**
